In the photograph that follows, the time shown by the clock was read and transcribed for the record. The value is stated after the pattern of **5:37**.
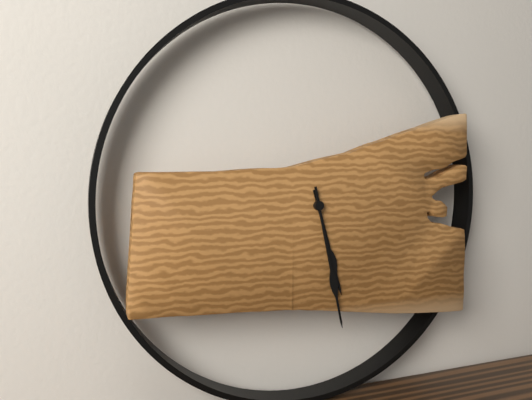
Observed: **5:28**
